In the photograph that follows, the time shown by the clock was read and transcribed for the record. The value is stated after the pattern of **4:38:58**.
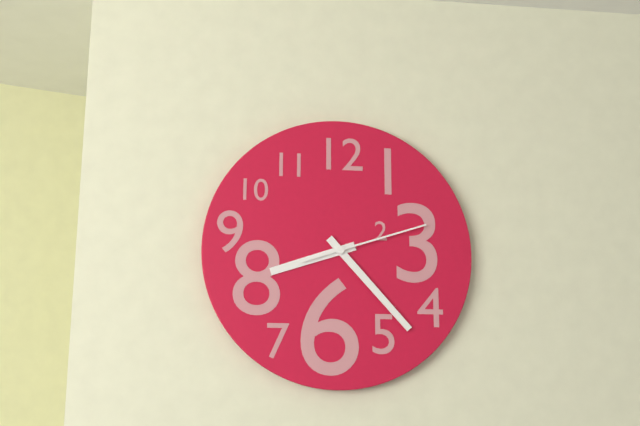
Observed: **8:23:12**
